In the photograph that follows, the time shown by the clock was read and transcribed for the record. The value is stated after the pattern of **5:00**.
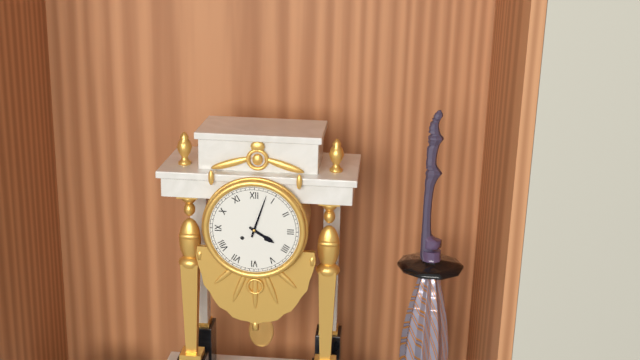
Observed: **4:03**
